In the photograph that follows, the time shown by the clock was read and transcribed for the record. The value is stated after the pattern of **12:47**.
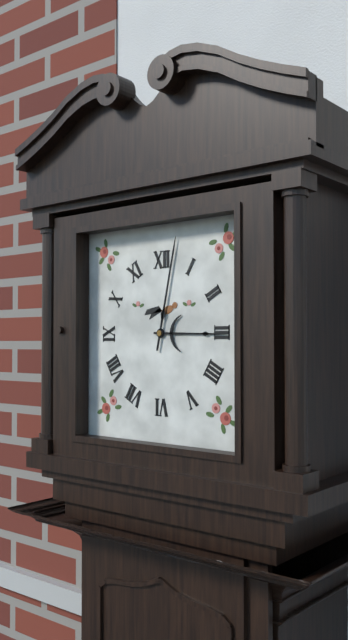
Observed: **3:02**
